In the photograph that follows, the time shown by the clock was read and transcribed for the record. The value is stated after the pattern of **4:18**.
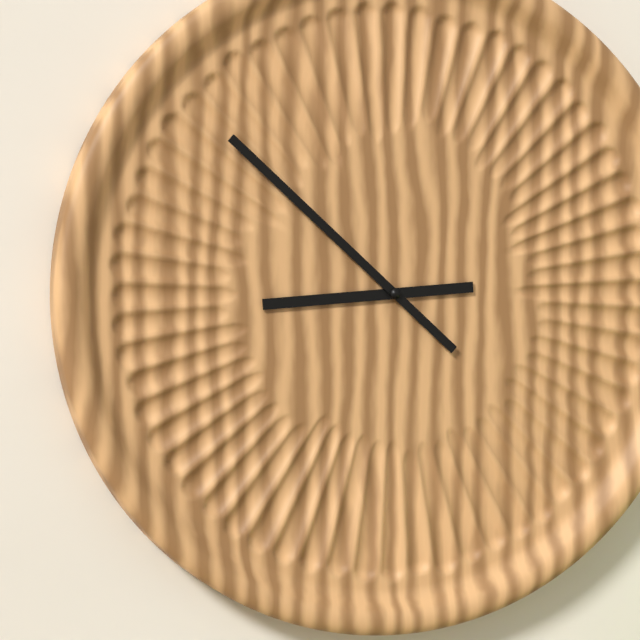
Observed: **8:52**
